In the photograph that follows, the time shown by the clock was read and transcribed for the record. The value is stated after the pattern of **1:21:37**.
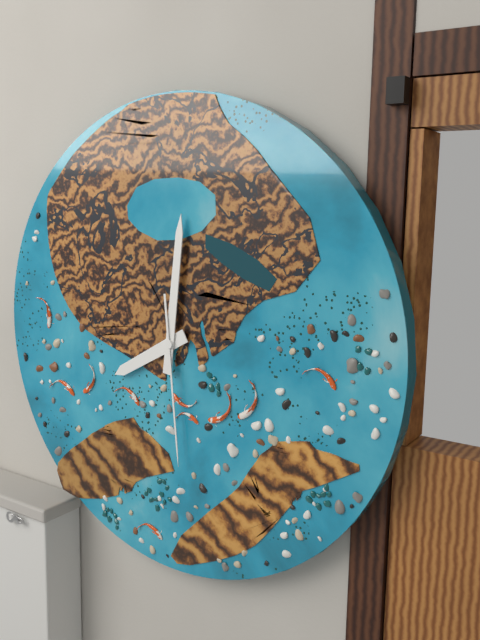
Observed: **8:01:29**
